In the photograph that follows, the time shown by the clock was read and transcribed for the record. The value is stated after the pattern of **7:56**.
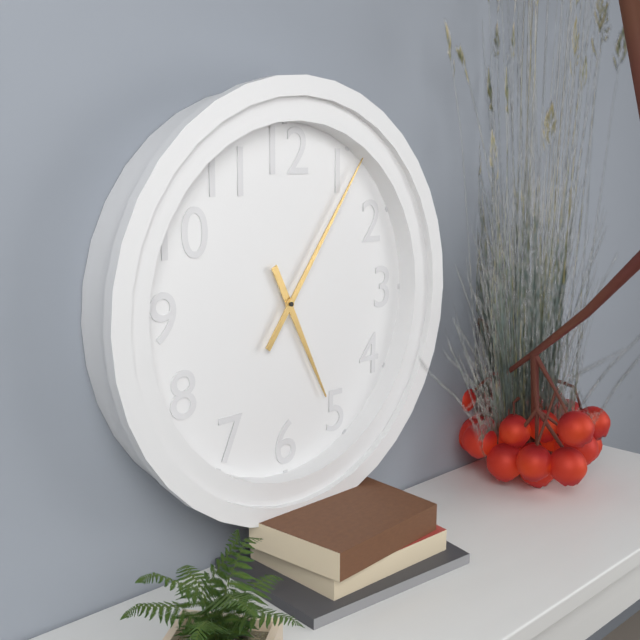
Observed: **5:06**
